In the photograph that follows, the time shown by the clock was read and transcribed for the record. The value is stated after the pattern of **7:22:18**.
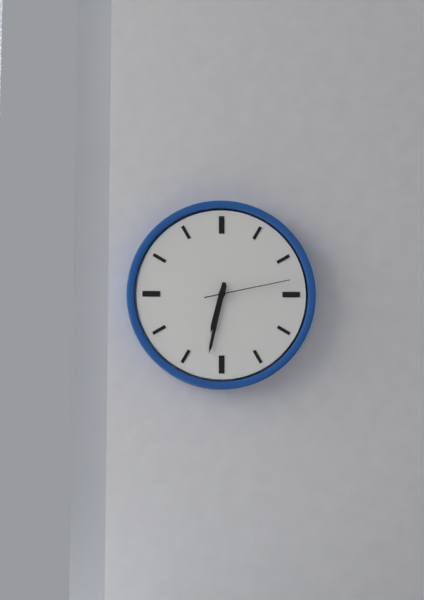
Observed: **6:32:13**
